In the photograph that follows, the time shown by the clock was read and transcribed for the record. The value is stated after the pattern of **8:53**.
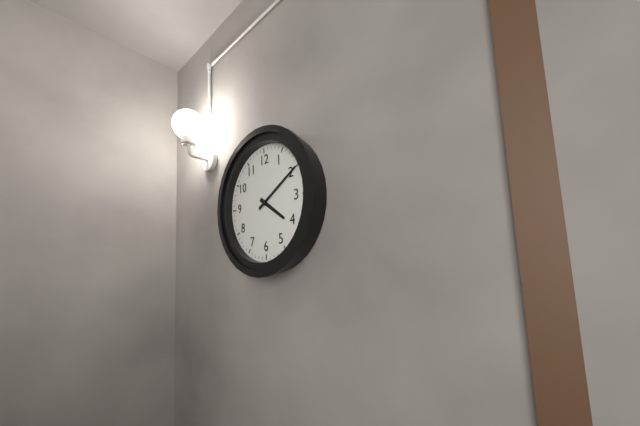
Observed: **4:10**
